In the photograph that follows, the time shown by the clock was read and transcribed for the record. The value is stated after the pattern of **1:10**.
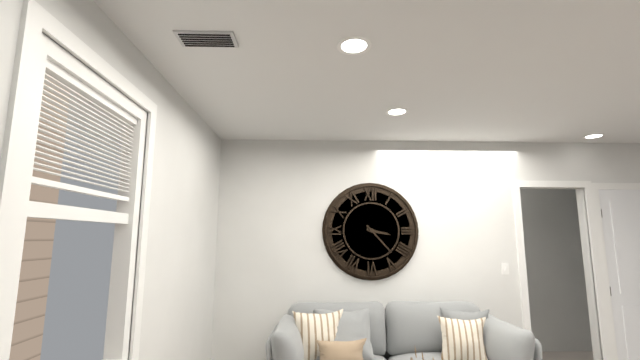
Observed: **3:23**
